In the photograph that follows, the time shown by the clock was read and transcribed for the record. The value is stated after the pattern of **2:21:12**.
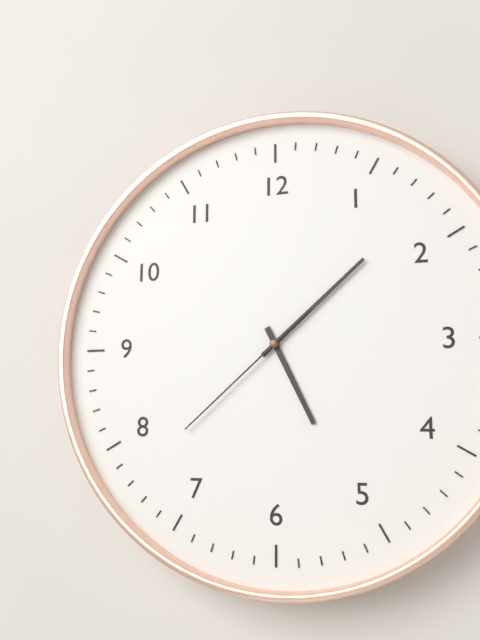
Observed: **5:08:38**
